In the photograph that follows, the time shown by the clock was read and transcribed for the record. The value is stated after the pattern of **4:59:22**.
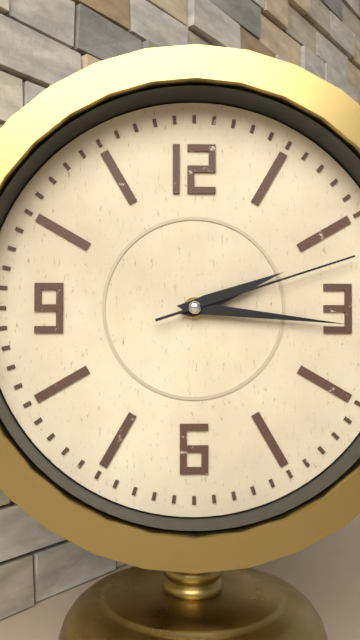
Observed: **2:16:12**
